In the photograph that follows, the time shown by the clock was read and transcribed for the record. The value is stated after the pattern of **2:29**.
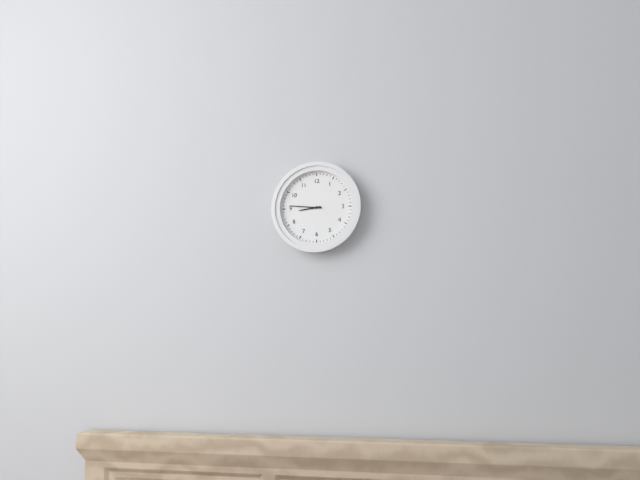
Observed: **8:46**
